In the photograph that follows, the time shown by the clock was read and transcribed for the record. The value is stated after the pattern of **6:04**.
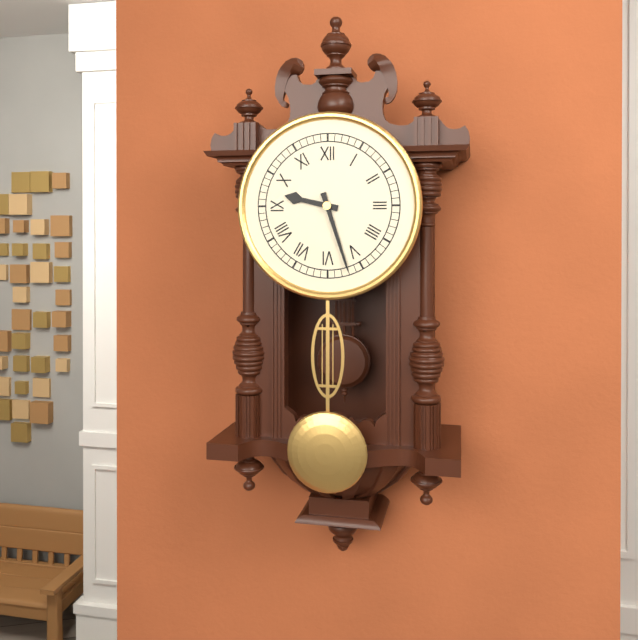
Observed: **9:27**
